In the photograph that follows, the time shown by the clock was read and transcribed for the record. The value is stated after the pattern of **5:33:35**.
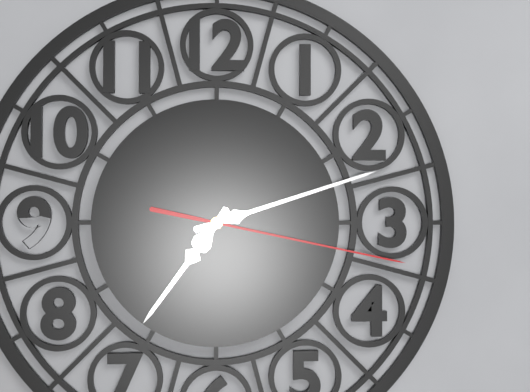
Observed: **7:12:17**
